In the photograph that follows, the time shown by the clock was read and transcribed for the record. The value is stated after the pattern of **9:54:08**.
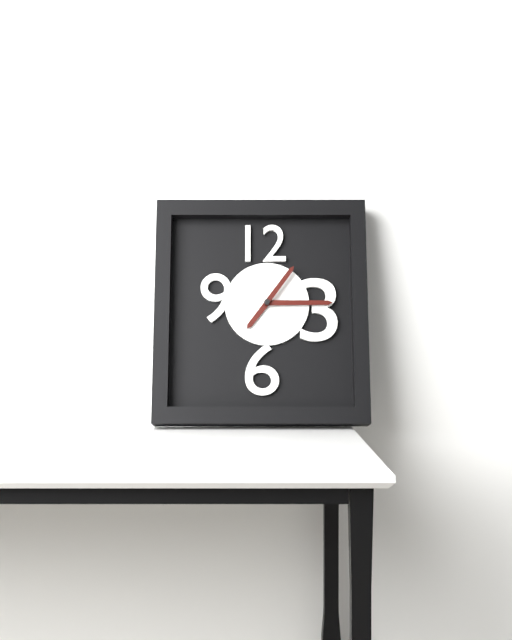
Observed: **7:15:06**
